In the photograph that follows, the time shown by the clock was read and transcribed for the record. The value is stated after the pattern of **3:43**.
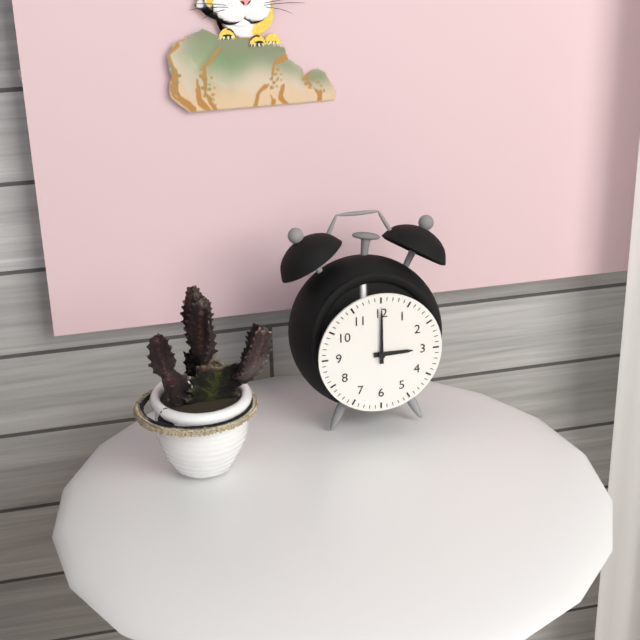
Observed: **3:00**
